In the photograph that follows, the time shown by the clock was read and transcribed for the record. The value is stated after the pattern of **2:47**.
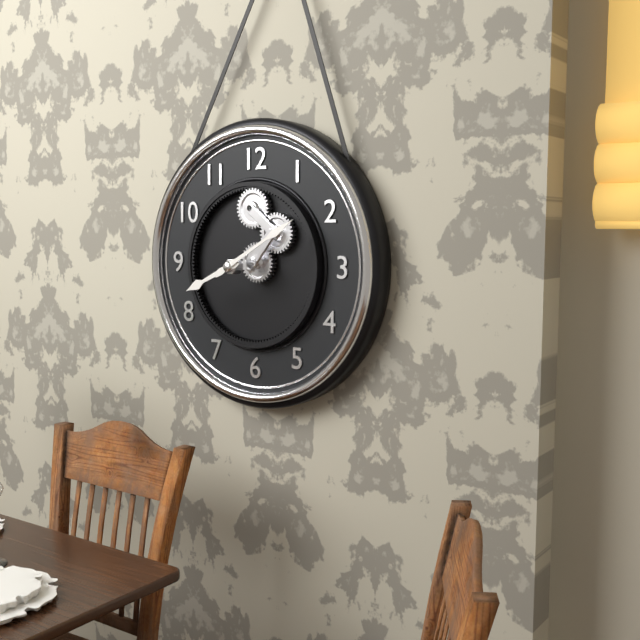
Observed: **8:10**
